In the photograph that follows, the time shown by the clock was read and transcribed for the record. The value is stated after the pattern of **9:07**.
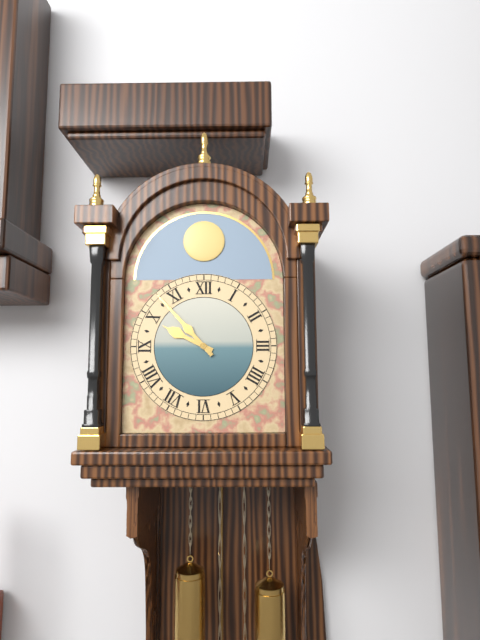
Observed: **9:53**
